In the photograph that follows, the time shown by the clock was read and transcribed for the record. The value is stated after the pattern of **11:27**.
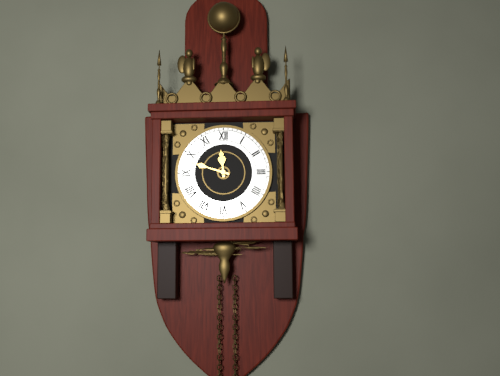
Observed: **11:48**
